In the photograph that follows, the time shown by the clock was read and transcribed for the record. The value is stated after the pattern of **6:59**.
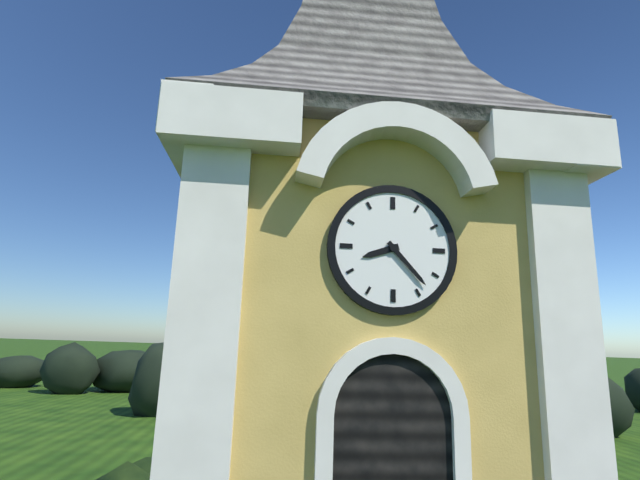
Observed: **8:23**
